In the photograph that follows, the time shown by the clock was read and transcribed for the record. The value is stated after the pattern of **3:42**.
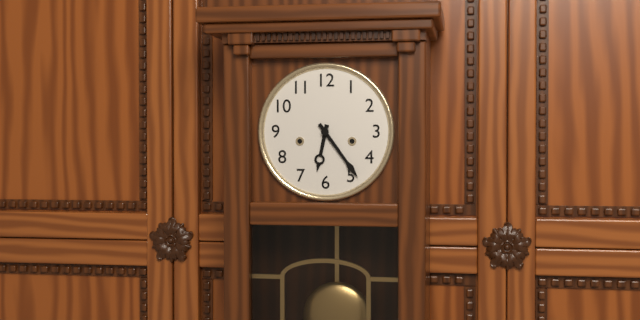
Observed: **6:24**
